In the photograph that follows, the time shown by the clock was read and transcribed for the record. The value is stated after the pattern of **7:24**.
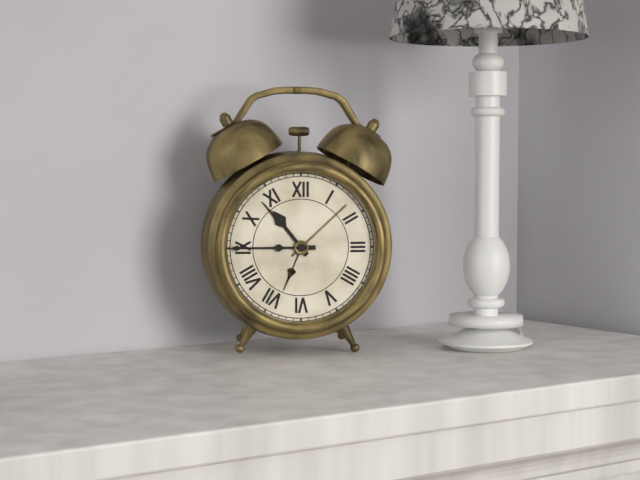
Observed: **10:45**
